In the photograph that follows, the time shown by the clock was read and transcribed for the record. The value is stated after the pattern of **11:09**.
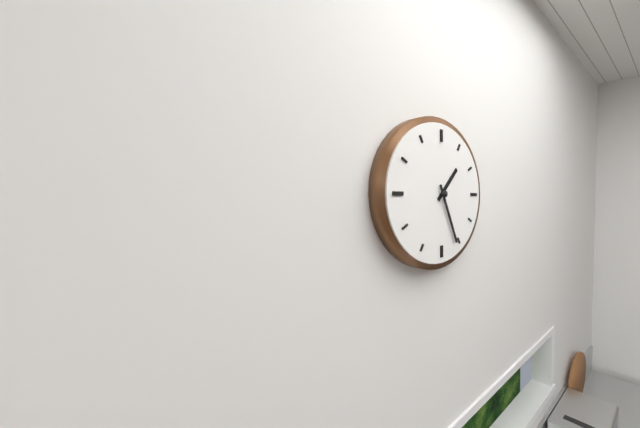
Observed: **1:26**
